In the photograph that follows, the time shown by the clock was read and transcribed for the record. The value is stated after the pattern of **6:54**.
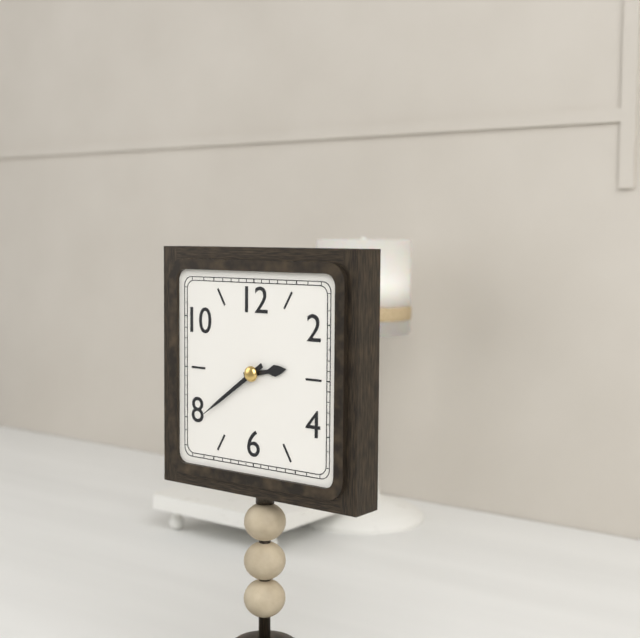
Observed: **2:39**
